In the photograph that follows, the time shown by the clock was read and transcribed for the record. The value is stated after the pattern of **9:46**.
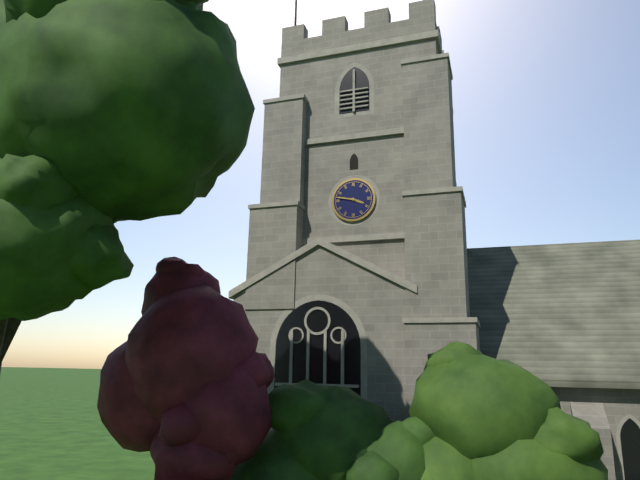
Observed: **3:47**
